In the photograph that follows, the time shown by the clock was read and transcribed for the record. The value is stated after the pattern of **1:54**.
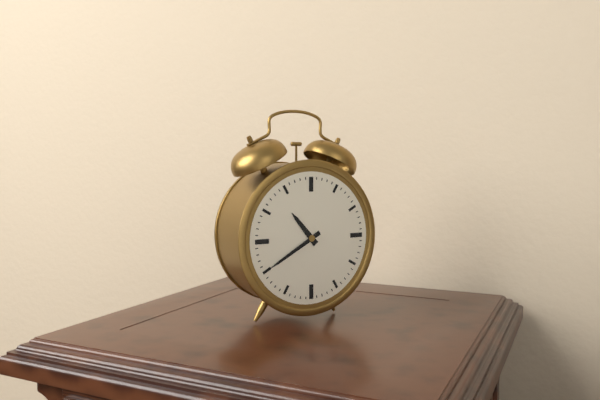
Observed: **10:40**
